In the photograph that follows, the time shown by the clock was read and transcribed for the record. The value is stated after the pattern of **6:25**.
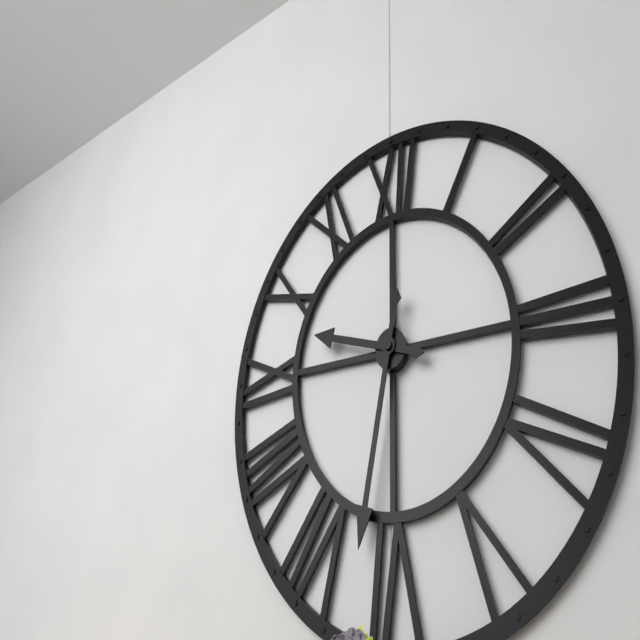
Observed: **9:32**
